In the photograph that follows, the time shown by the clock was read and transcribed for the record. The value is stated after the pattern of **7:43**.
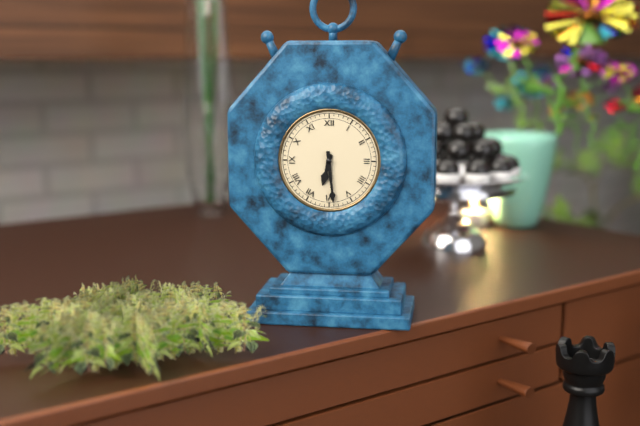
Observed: **6:29**
